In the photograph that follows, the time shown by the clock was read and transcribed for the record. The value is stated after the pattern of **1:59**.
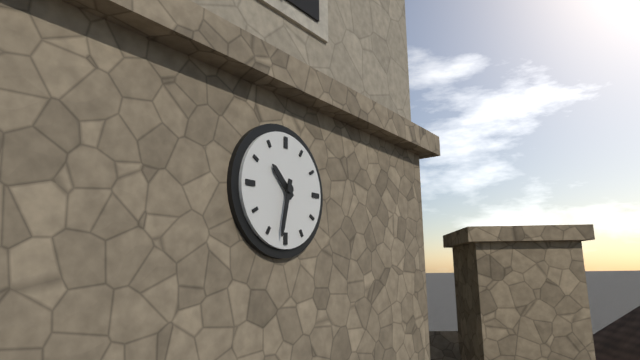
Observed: **10:32**
